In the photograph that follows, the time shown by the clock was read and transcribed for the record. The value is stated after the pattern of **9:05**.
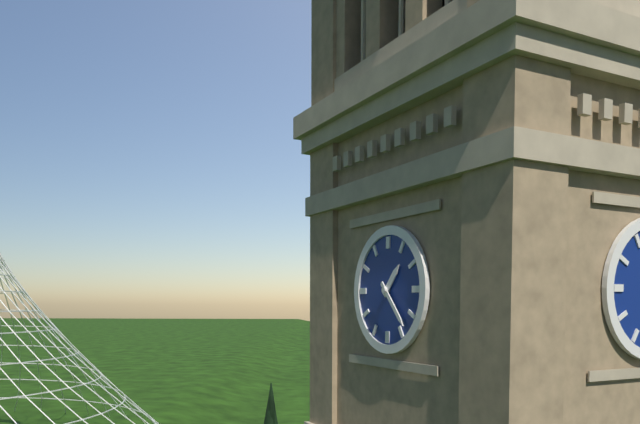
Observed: **1:23**
